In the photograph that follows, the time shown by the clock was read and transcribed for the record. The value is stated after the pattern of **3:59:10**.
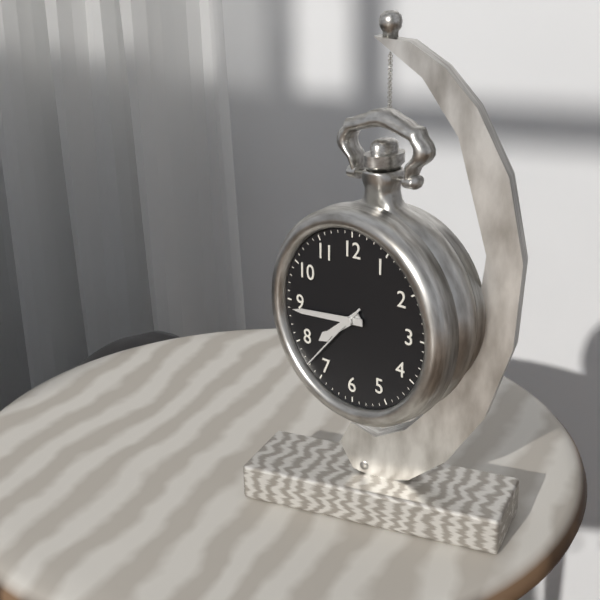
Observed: **7:44:37**
